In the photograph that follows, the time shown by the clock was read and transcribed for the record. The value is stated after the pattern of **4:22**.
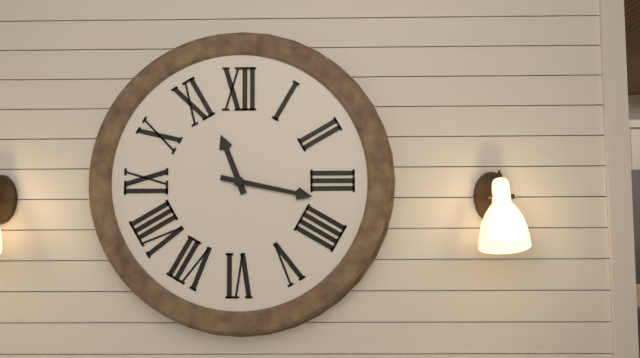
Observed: **11:17**
